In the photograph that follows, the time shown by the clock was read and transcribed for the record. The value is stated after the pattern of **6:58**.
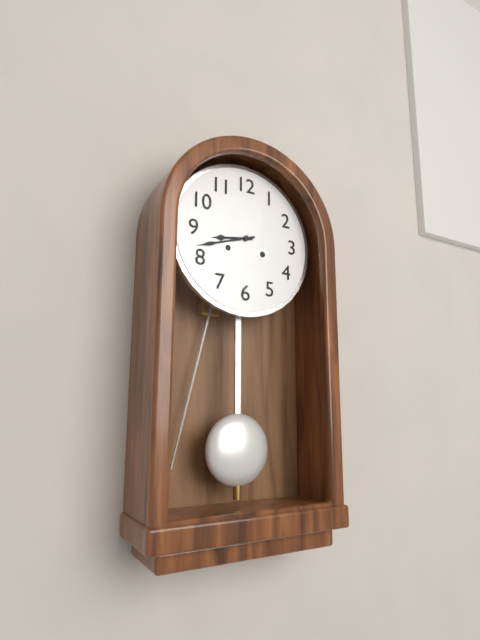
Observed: **8:42**
